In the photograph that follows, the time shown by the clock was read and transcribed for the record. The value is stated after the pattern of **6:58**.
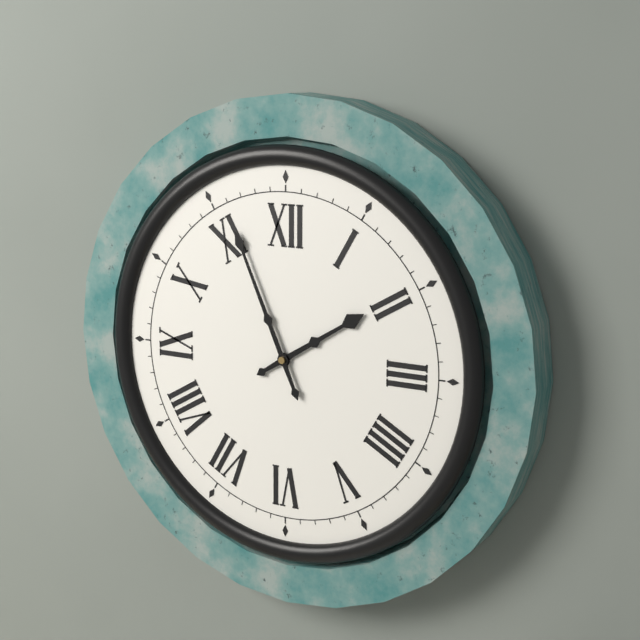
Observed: **1:56**
